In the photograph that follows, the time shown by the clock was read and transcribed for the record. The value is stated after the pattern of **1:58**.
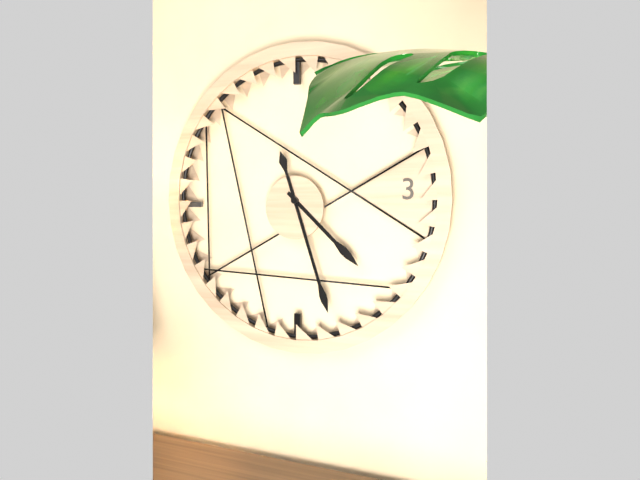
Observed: **4:27**
